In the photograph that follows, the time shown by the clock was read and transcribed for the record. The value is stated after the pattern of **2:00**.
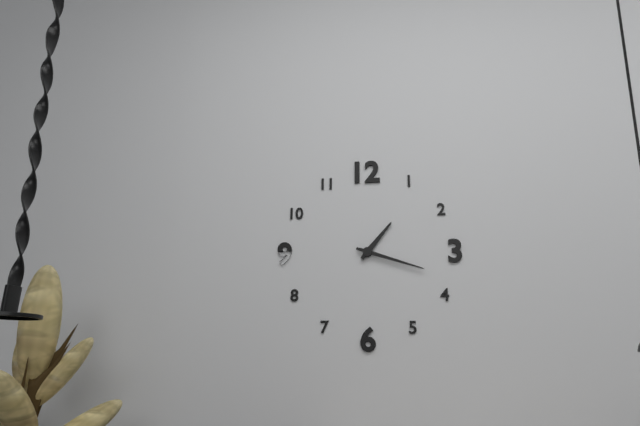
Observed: **1:18**
